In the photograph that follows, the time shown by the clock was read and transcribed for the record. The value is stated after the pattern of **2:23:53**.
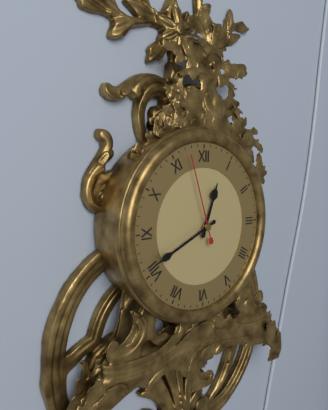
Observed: **12:41:57**
